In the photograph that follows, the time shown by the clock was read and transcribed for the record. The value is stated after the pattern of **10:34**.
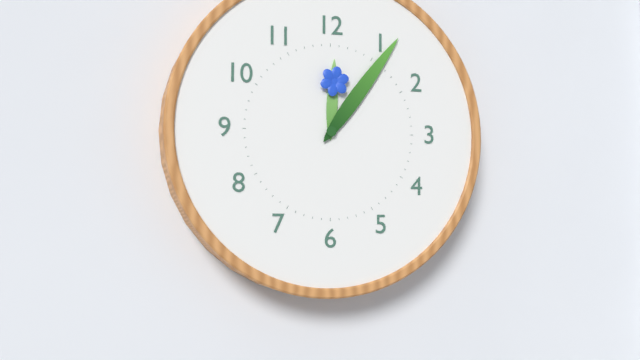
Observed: **12:06**
